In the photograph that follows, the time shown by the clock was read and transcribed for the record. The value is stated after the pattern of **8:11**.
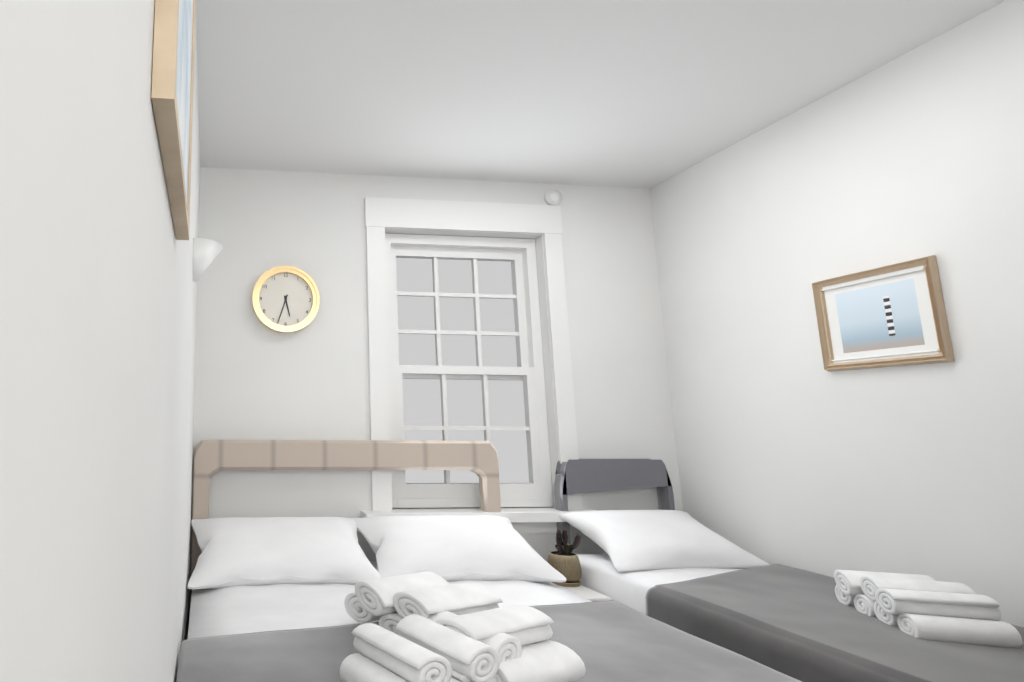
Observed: **5:33**
